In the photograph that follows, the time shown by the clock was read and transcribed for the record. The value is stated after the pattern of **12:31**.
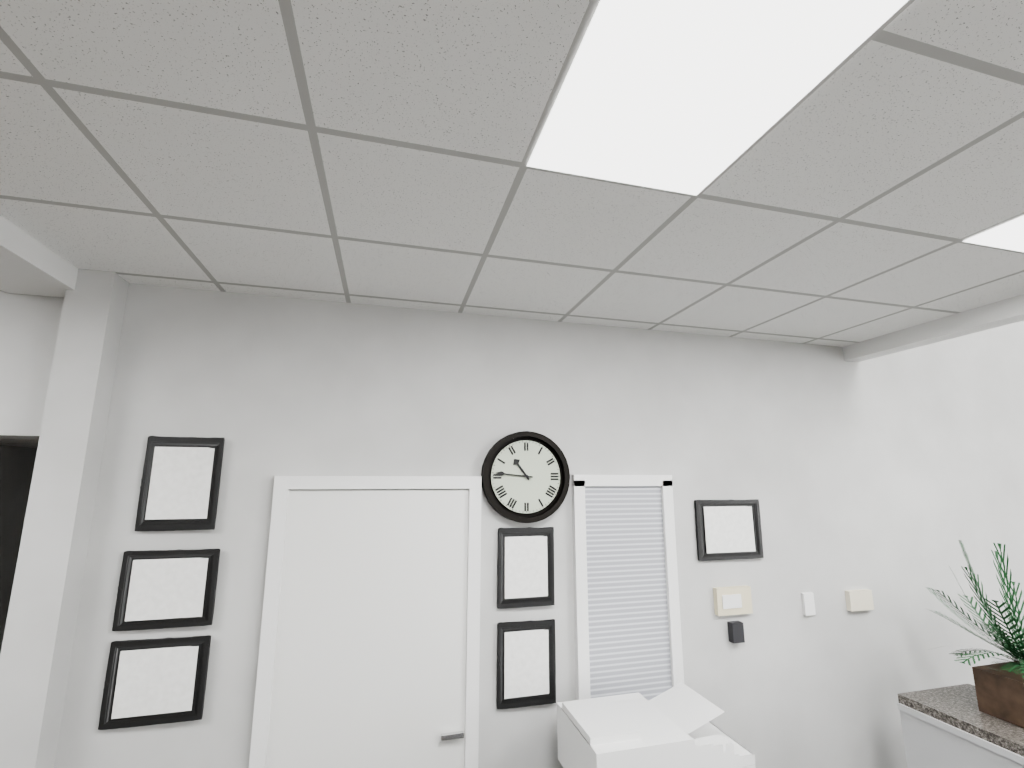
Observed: **10:46**
